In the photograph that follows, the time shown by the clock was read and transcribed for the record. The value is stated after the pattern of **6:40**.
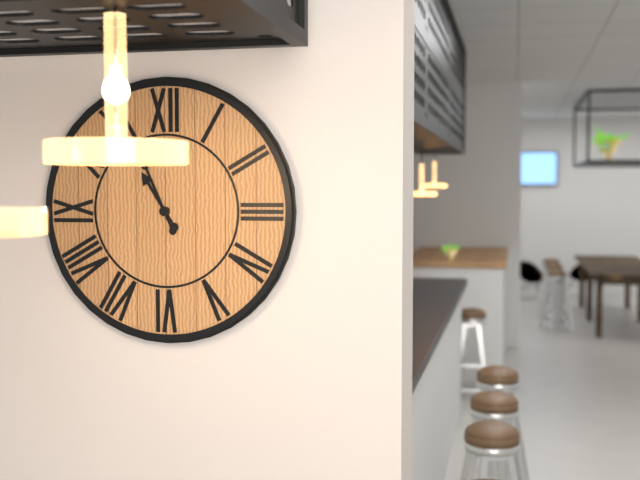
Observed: **10:56**
